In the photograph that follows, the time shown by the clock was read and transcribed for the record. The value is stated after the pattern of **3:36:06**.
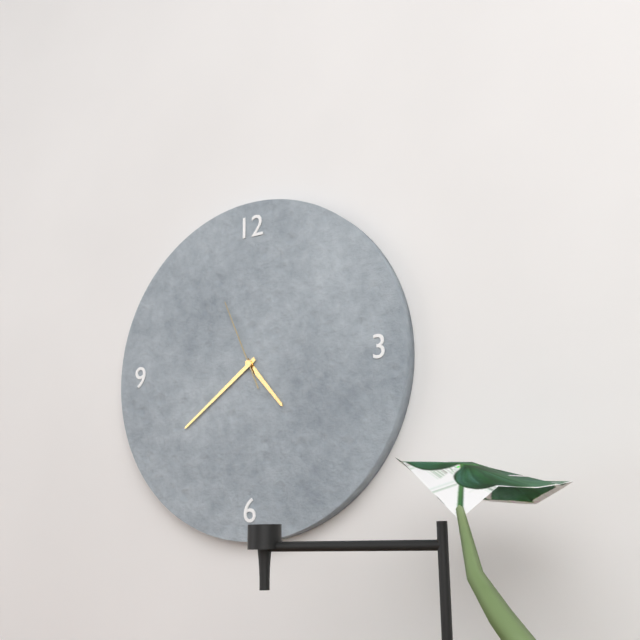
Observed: **4:39:56**
